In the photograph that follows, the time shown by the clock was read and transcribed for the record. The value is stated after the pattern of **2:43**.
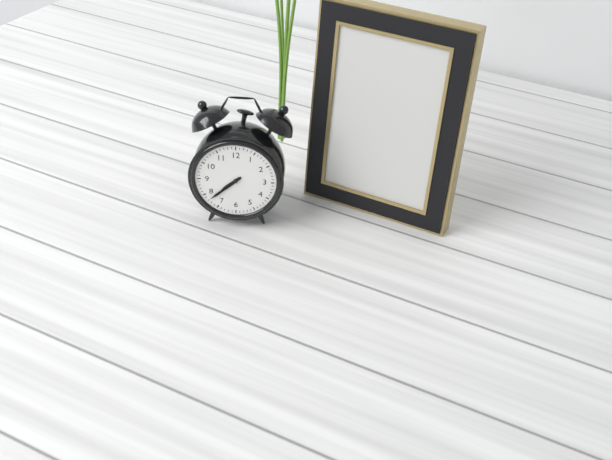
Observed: **7:38**
